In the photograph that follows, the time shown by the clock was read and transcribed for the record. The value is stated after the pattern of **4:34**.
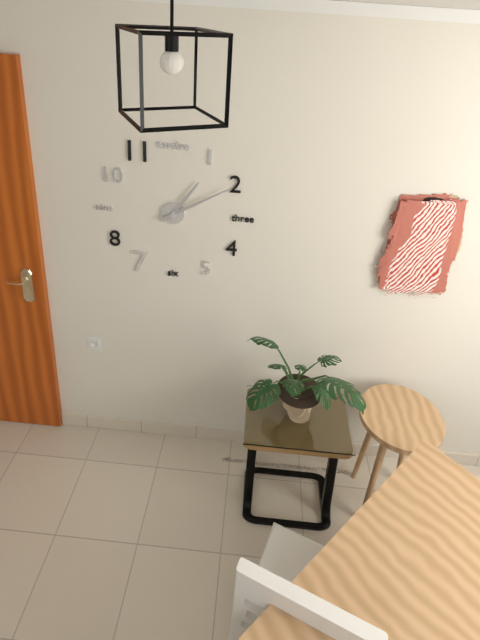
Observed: **1:10**
